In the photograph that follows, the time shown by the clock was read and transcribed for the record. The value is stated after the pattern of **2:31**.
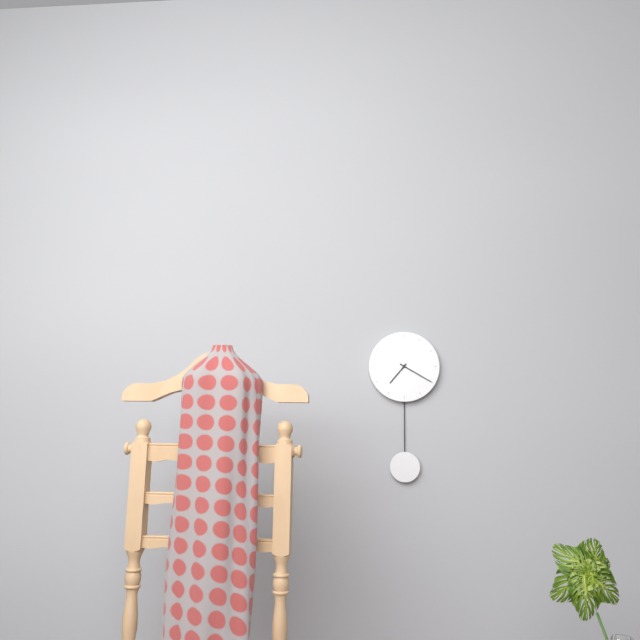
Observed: **7:20**
